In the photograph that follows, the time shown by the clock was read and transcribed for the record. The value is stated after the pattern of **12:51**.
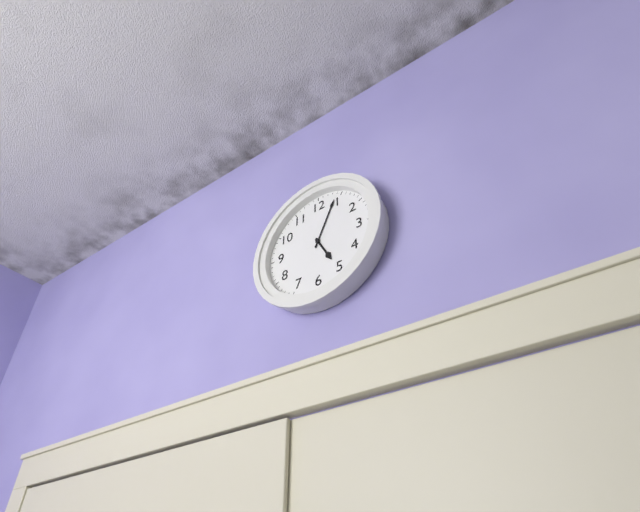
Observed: **5:04**
